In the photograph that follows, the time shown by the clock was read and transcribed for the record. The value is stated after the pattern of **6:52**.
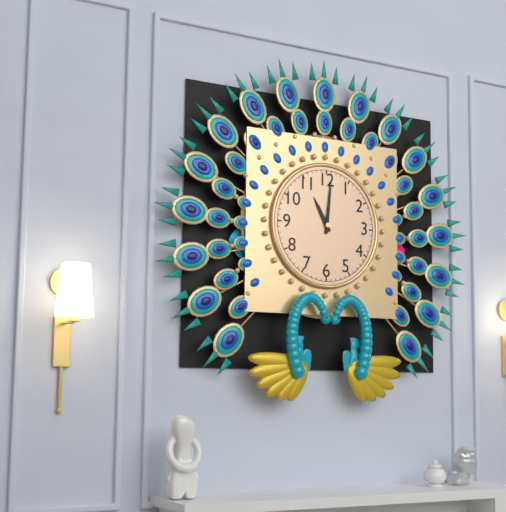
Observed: **11:01**
